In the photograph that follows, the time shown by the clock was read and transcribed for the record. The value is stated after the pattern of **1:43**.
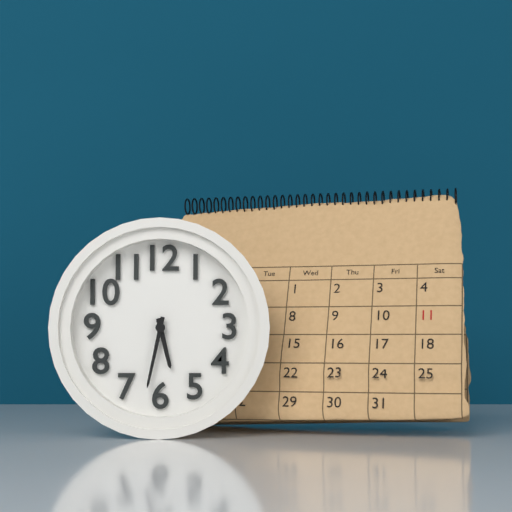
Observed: **5:32**
